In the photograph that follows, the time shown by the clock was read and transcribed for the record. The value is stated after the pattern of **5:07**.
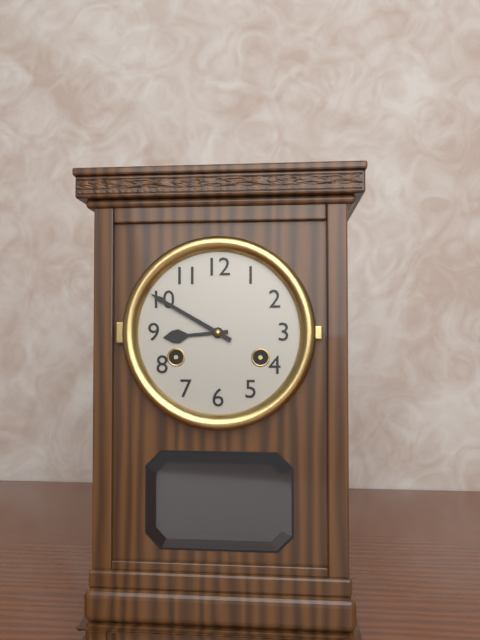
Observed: **8:50**
